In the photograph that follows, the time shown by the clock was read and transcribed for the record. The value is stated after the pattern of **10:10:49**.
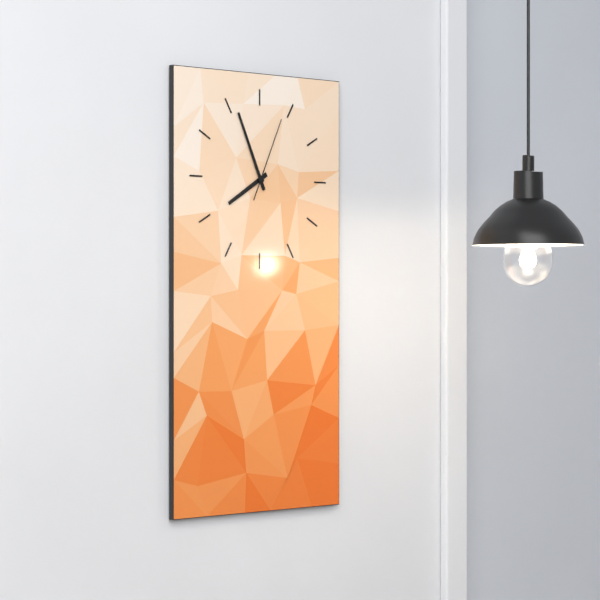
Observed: **7:56:04**
